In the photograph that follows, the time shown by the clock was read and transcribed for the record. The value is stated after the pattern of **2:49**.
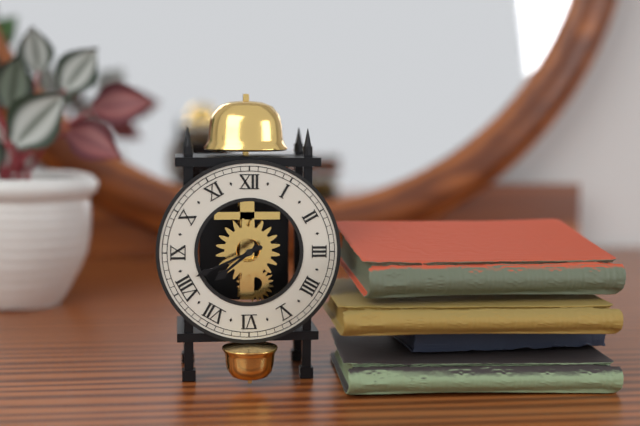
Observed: **7:41**
